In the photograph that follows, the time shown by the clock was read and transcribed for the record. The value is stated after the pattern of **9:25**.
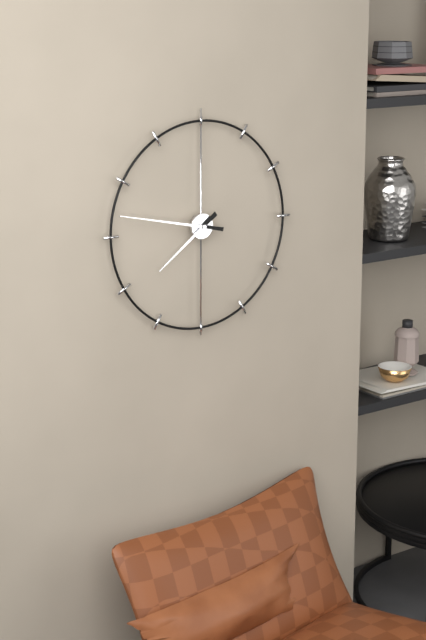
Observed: **7:47**
